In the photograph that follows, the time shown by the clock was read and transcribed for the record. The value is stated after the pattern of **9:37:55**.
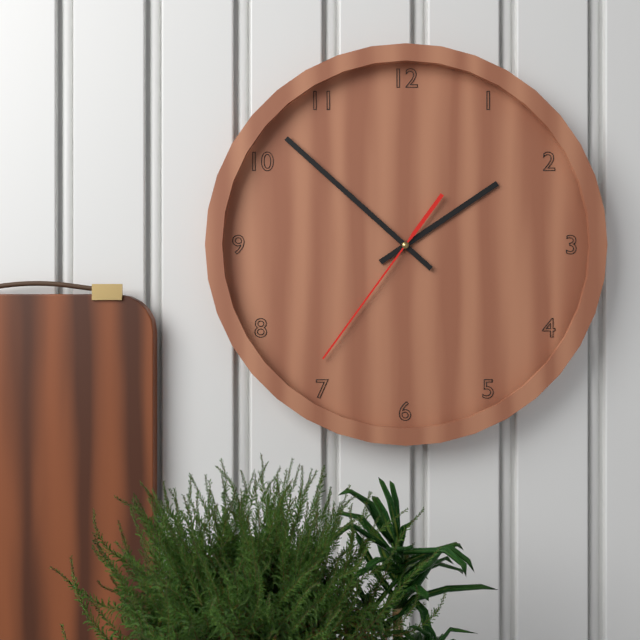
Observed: **1:52:36**
